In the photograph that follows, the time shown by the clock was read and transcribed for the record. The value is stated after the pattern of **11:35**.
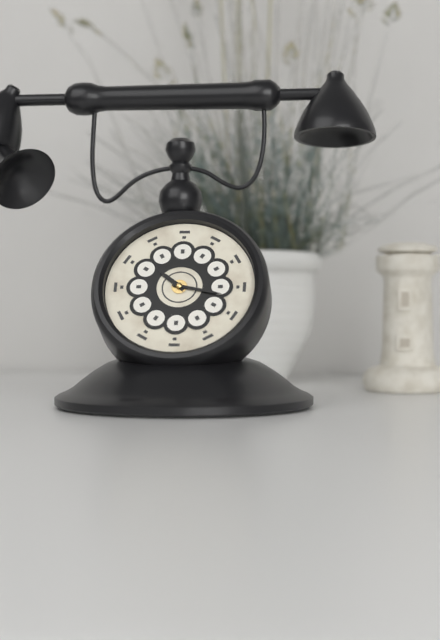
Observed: **10:17**
